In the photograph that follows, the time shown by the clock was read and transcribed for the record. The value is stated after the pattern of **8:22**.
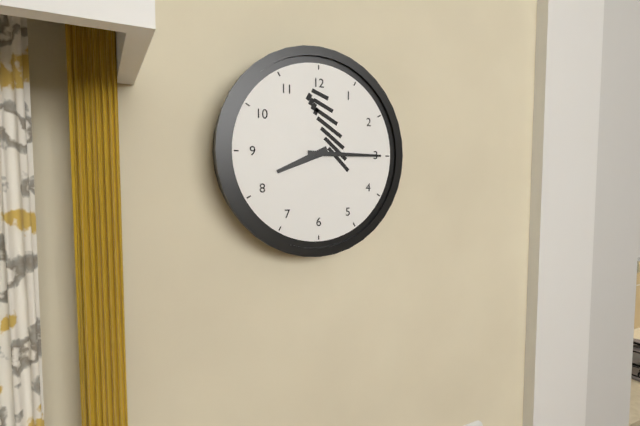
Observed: **8:15**
